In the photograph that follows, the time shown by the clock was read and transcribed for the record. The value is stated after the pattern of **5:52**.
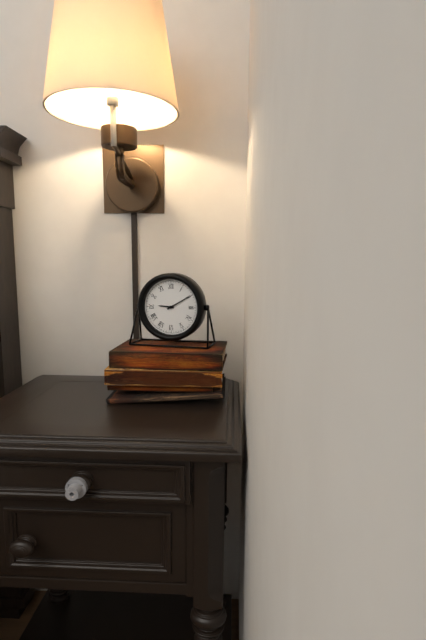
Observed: **9:10**
